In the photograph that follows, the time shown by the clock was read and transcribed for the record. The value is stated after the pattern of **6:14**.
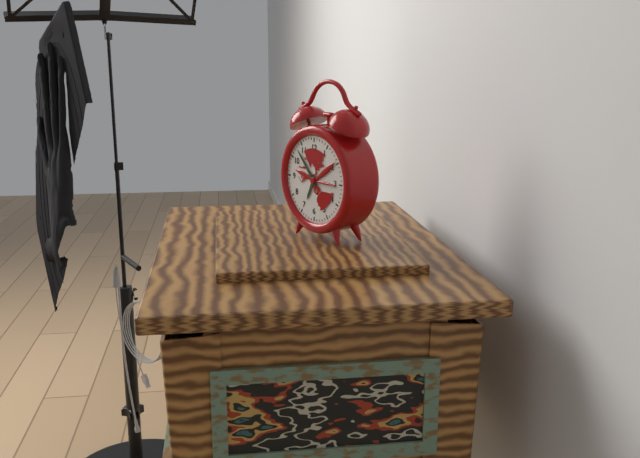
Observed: **6:53**
